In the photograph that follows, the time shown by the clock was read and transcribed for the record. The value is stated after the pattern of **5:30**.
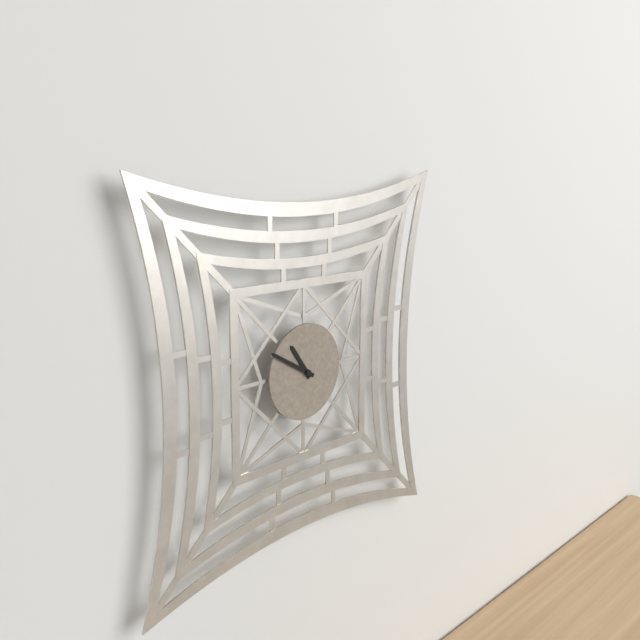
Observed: **10:50**
